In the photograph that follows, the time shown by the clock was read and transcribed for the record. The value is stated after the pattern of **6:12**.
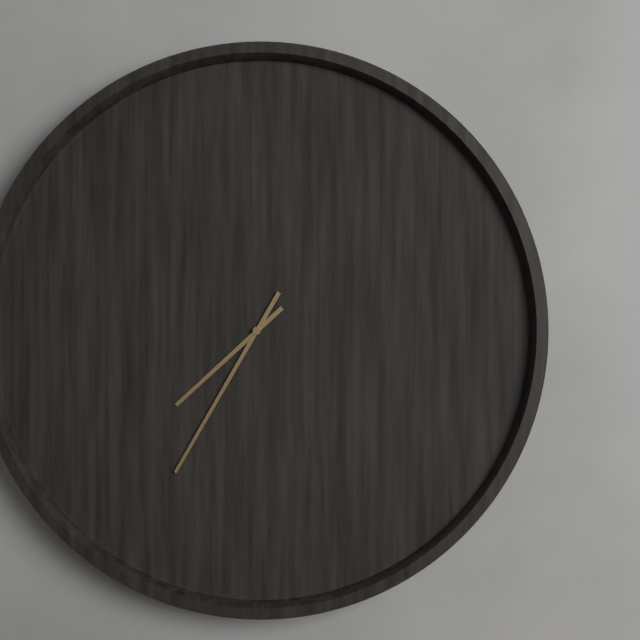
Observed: **7:35**
